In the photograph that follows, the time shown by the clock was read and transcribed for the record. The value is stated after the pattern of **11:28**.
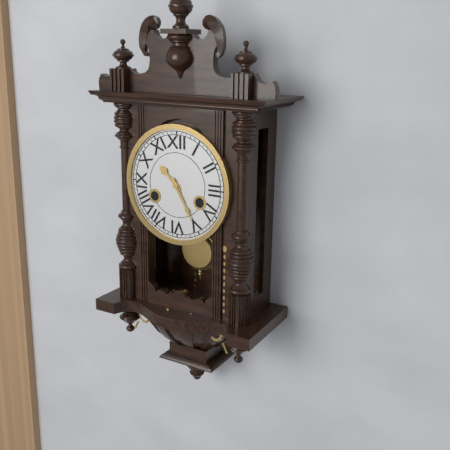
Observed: **10:25**
